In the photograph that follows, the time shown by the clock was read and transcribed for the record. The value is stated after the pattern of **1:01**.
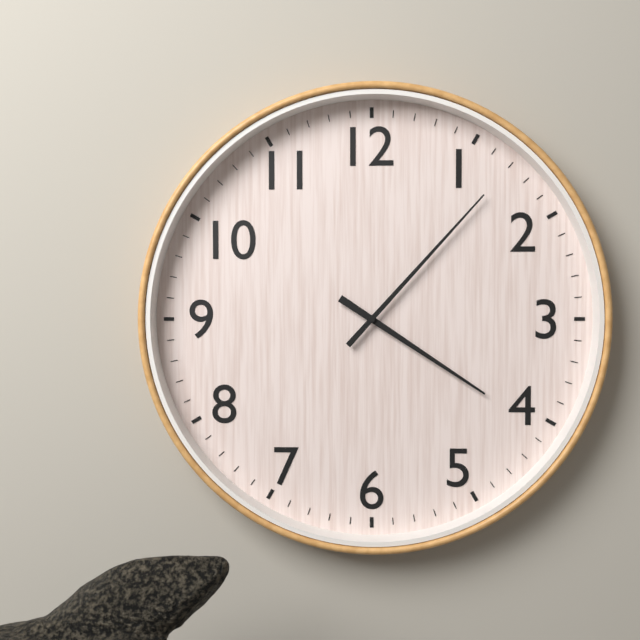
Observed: **4:07**
